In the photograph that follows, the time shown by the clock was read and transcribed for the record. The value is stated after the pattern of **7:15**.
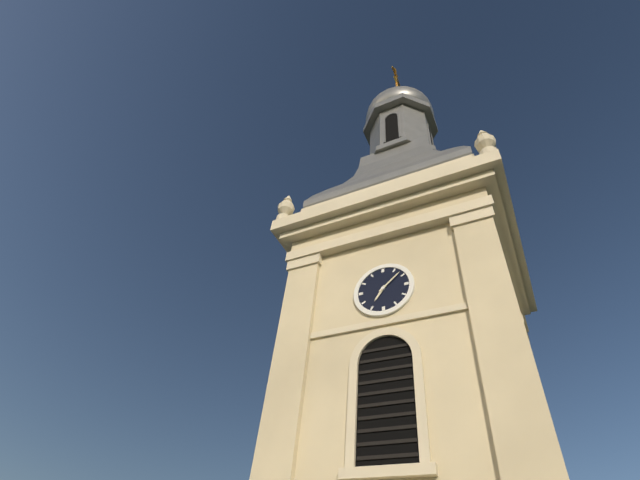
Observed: **7:08**
